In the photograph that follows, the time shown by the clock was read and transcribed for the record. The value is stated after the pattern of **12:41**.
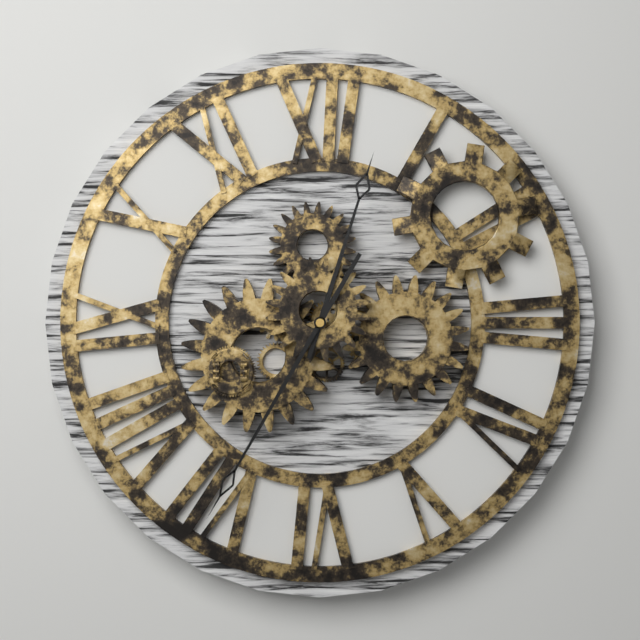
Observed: **12:35**
